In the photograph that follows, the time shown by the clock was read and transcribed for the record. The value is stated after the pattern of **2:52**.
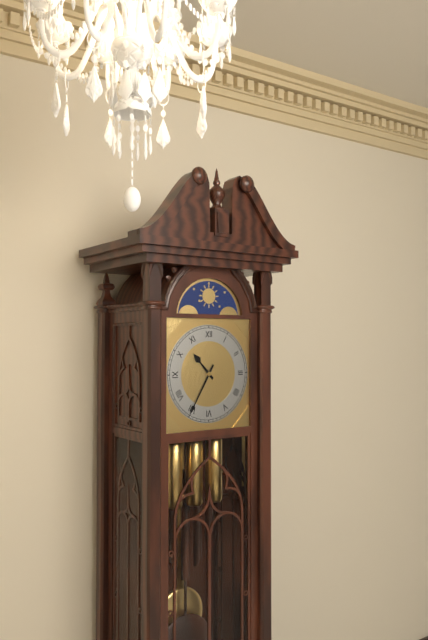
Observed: **10:35**
